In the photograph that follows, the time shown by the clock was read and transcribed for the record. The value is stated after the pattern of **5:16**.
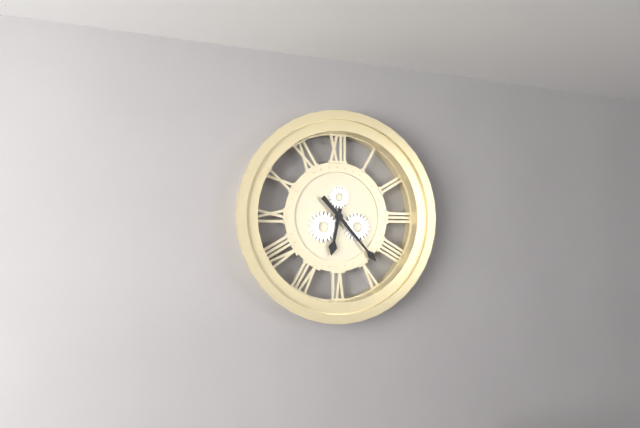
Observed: **6:23**
